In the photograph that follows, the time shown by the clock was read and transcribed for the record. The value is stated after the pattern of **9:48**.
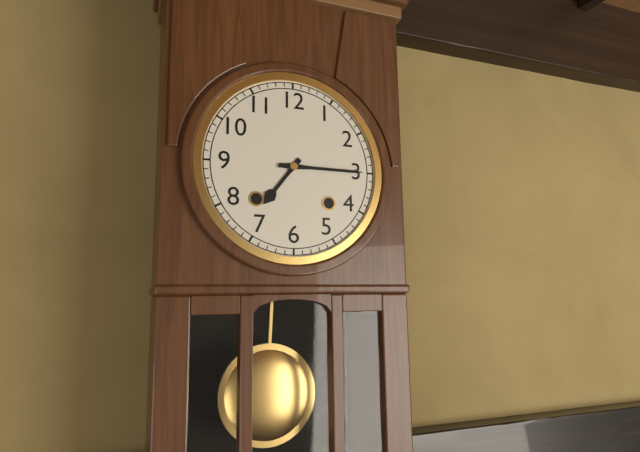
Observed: **7:15**
